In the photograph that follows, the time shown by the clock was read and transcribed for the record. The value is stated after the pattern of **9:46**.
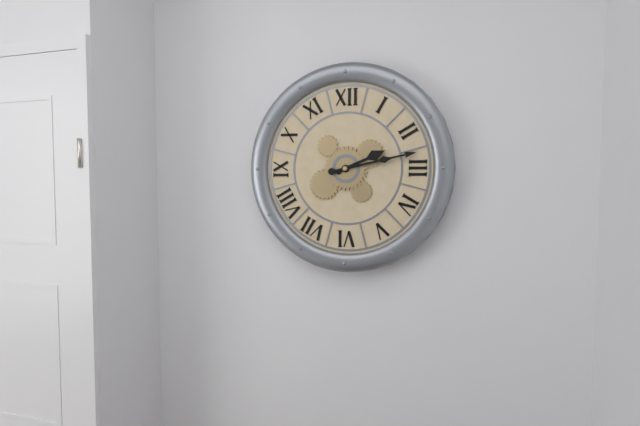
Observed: **2:13**
